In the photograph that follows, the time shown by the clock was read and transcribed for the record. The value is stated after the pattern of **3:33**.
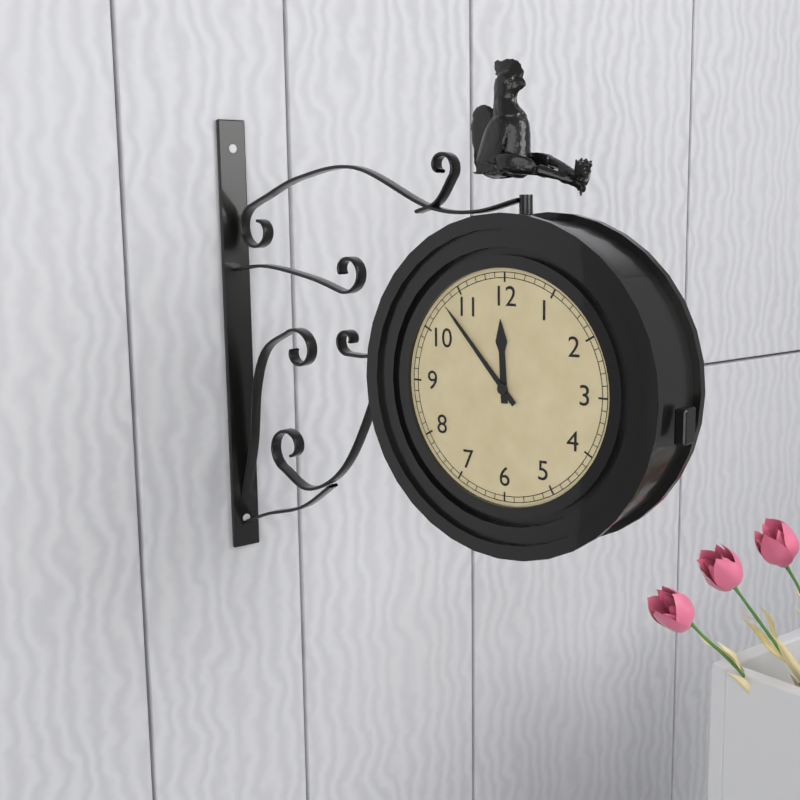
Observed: **11:53**
